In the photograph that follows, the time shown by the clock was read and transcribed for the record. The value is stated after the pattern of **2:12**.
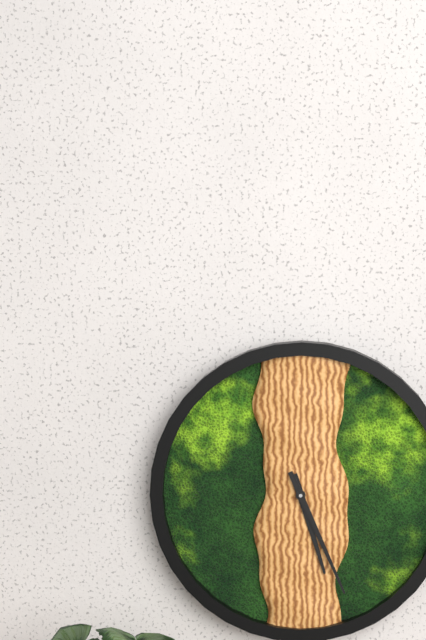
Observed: **5:26**
